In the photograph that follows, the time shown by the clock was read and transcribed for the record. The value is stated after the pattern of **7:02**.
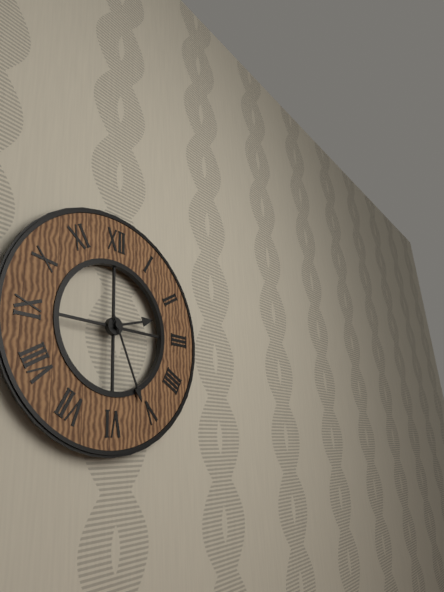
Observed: **2:26**
